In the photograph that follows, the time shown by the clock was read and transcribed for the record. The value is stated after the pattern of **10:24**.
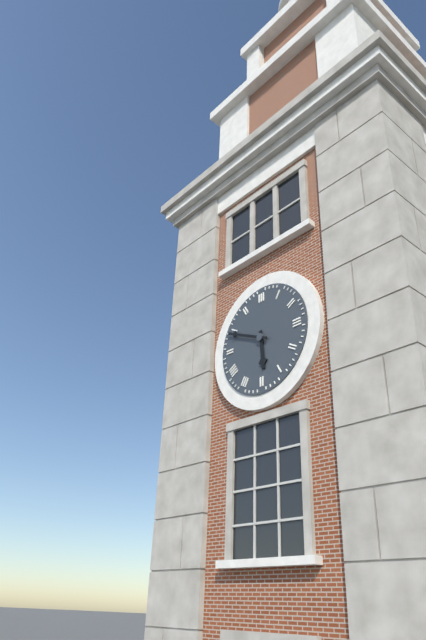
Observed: **5:49**
